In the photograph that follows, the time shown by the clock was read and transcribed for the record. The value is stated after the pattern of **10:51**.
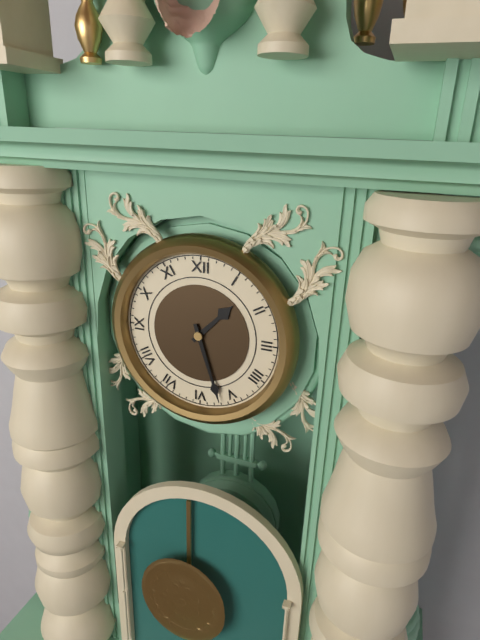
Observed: **1:27**
